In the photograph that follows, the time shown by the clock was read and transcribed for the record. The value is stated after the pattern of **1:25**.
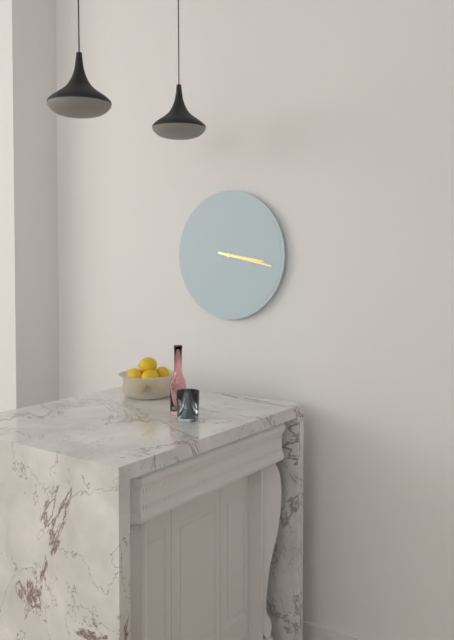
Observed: **3:17**
